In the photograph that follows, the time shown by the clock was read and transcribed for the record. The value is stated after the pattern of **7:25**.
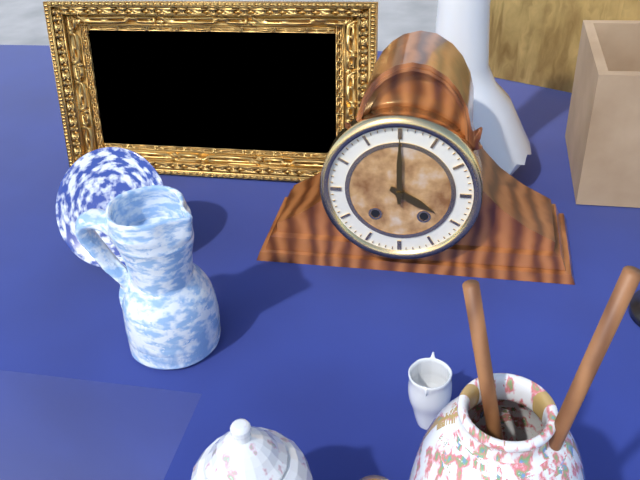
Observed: **4:00**
